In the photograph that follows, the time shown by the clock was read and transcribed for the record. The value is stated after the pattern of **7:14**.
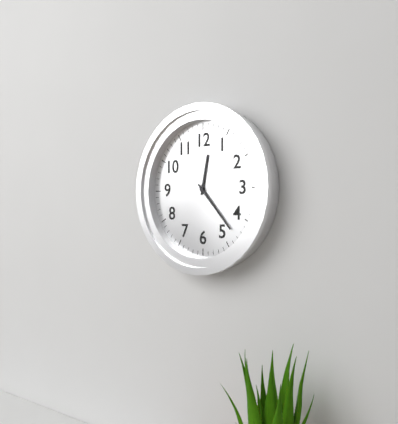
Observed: **12:23**
